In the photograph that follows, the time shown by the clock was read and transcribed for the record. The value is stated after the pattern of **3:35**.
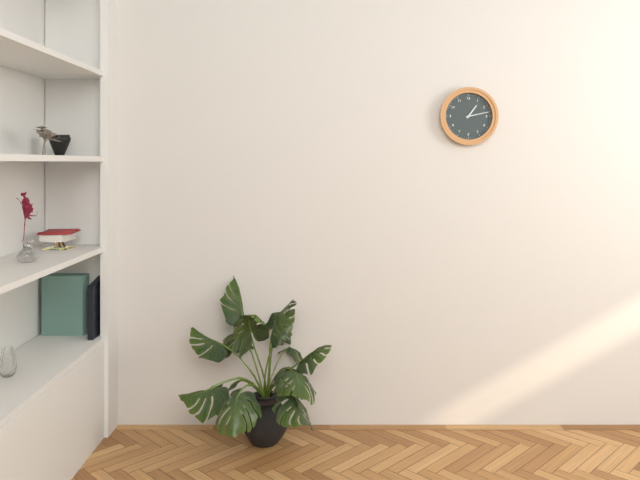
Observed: **1:13**
